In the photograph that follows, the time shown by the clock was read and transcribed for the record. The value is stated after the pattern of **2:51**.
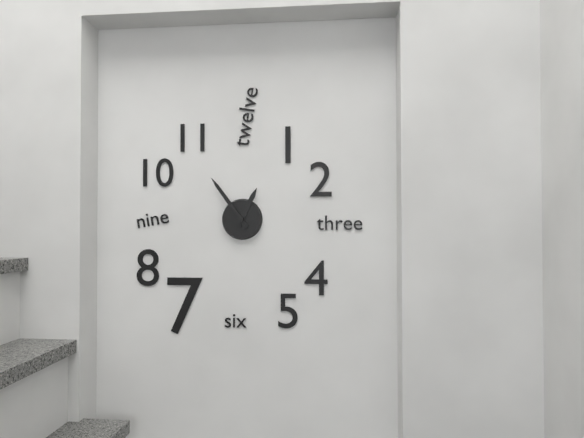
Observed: **12:54**
